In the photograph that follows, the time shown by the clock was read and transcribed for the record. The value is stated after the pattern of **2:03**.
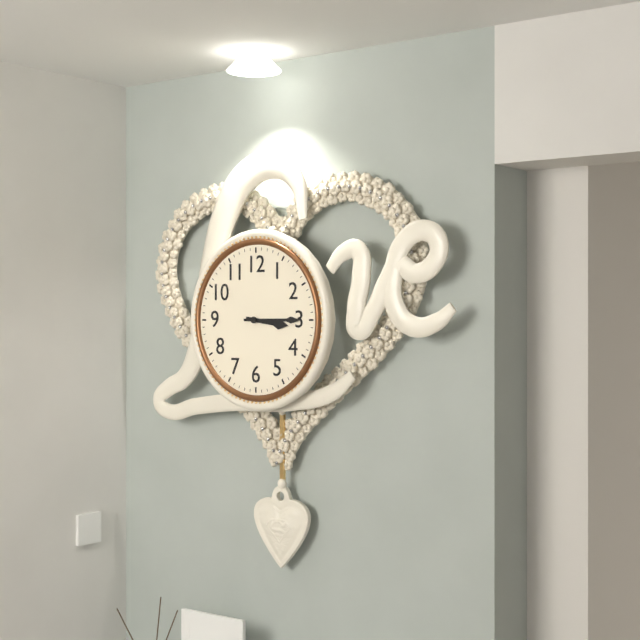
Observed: **3:15**
